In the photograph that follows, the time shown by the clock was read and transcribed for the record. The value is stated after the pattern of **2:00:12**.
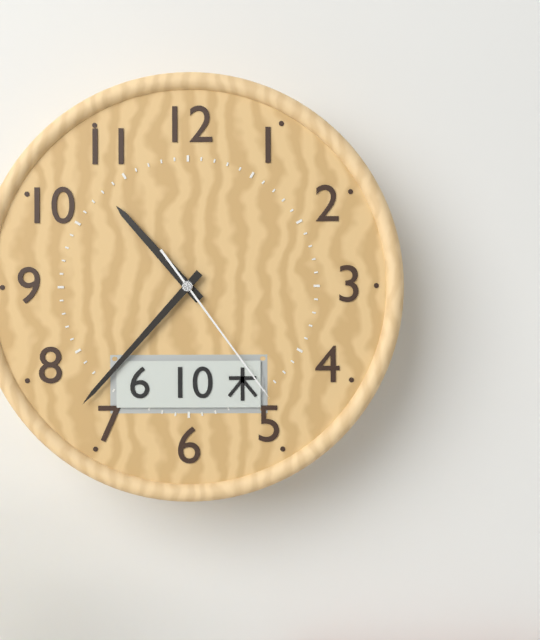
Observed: **10:37:24**
